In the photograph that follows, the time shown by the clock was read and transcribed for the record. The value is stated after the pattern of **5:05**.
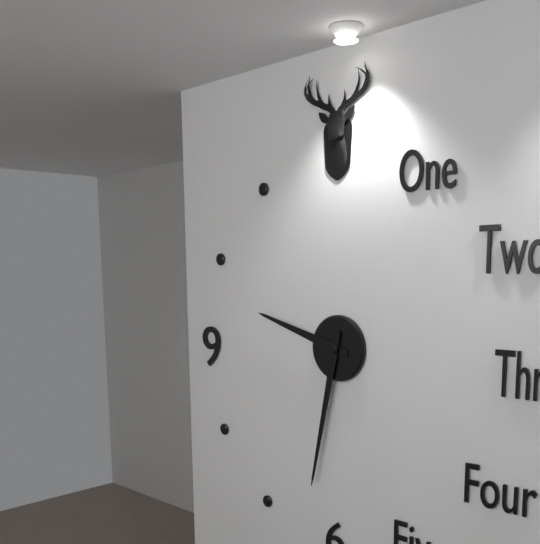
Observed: **9:32**
